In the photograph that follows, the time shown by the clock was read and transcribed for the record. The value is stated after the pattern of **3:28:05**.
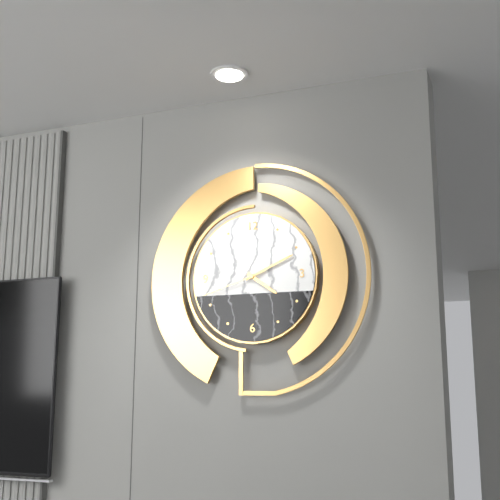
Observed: **4:11:42**
